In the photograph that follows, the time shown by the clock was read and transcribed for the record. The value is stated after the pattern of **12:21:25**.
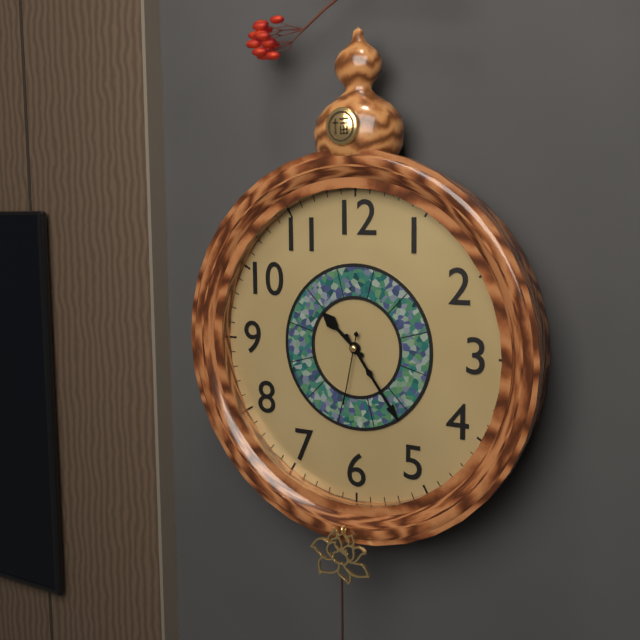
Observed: **10:24:32**
